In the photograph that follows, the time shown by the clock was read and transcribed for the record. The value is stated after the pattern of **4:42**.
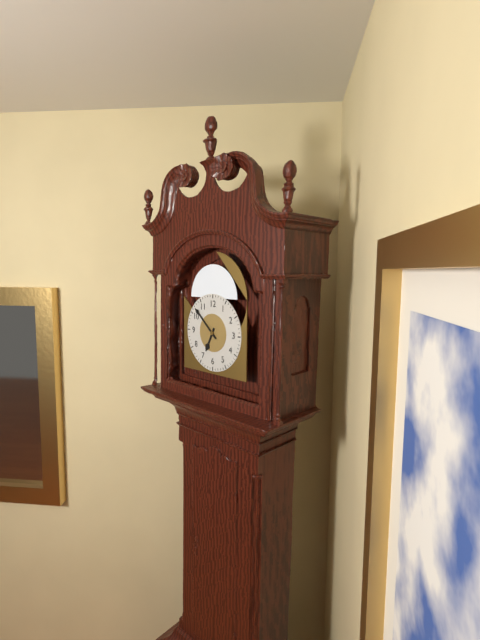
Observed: **6:52**
